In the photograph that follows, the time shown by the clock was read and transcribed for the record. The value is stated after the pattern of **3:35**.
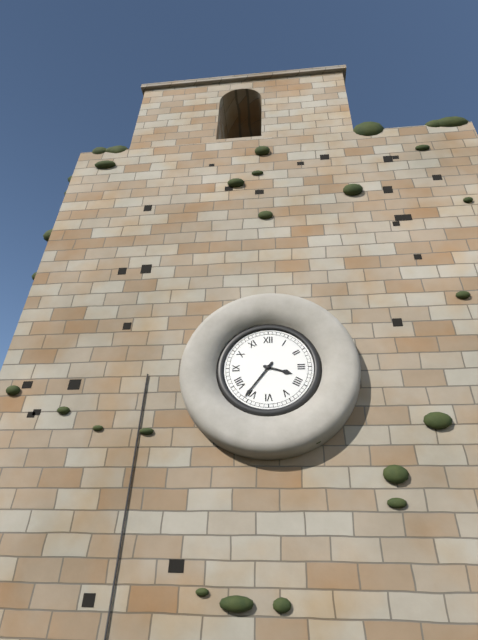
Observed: **3:36**
